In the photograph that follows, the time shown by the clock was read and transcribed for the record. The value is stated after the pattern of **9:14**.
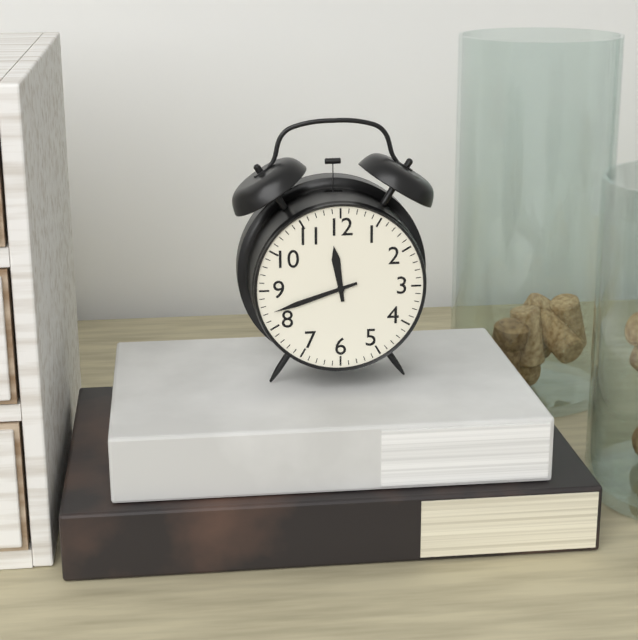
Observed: **11:42**
